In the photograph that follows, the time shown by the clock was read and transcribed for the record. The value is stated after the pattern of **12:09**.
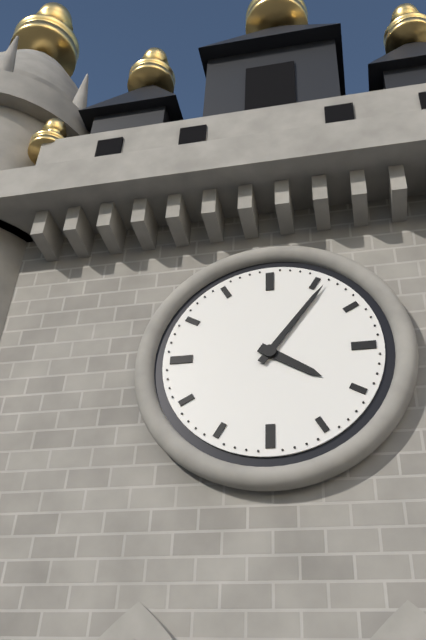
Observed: **4:06**
